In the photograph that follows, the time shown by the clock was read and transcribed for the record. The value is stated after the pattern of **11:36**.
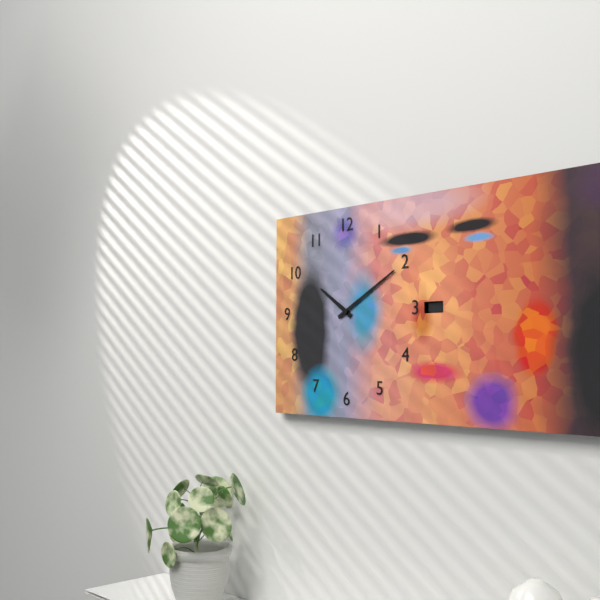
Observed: **10:10**
